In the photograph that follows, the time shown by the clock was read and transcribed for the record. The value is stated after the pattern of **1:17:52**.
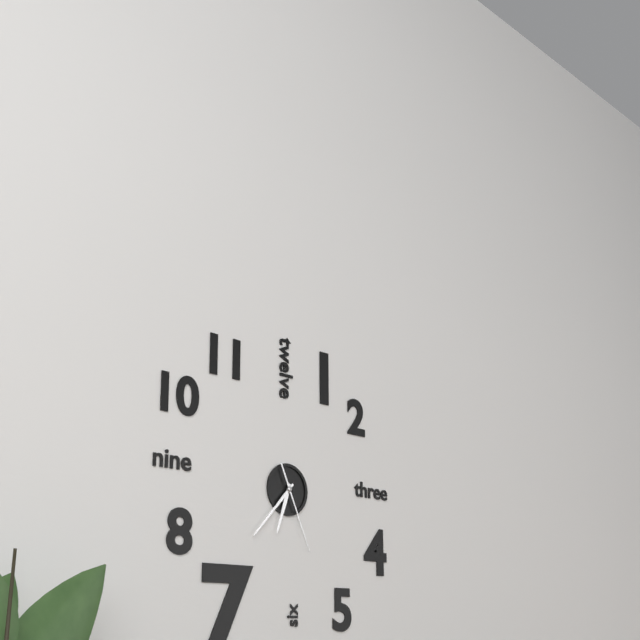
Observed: **6:37:26**
